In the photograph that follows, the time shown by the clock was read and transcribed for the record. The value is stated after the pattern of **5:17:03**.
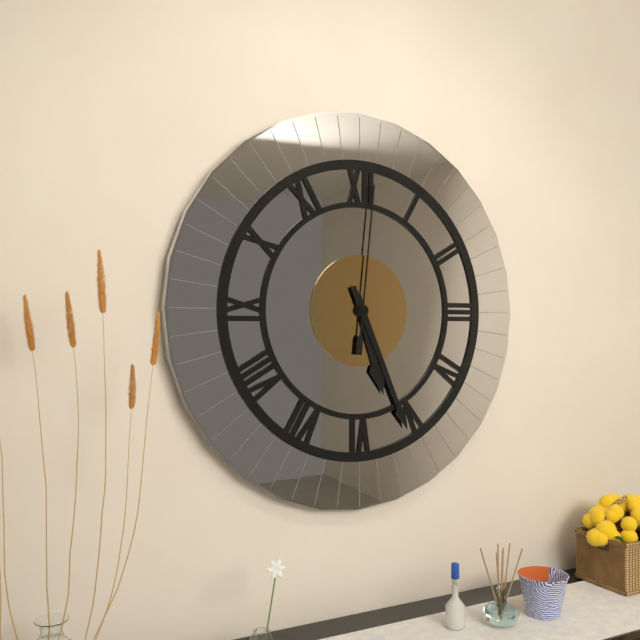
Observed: **5:26:01**
